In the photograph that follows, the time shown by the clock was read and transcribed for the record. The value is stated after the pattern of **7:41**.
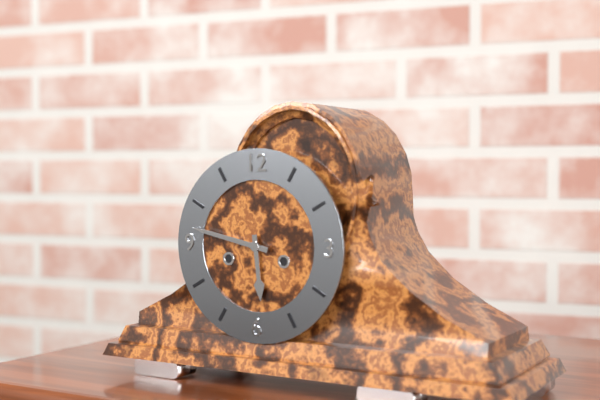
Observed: **5:47**
